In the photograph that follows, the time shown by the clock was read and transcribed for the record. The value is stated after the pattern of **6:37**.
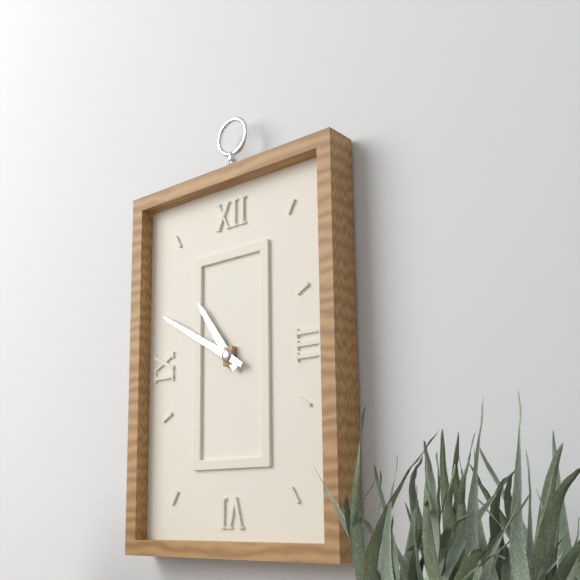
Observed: **10:50**
